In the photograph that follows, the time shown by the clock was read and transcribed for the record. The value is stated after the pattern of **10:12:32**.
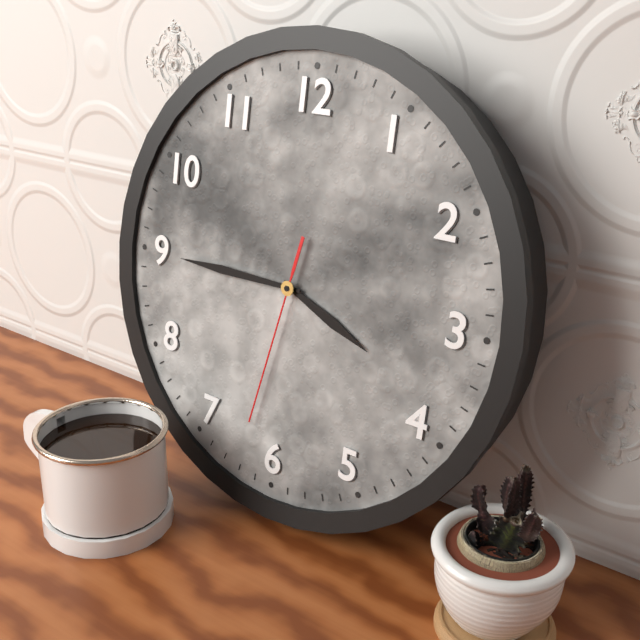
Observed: **3:45:32**
